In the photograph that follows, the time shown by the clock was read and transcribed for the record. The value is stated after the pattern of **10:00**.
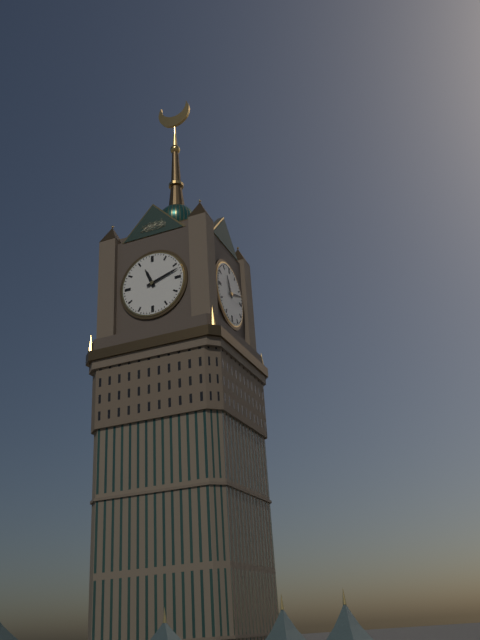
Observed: **11:12**
